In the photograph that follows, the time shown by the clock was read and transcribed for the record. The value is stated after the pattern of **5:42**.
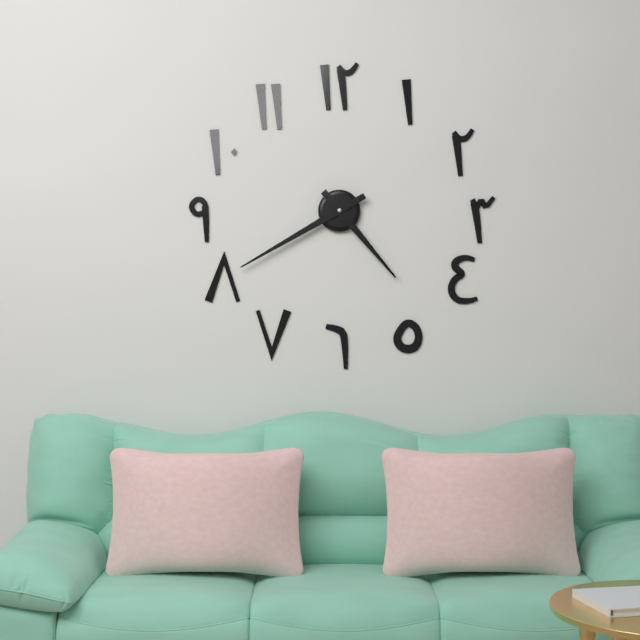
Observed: **4:40**
